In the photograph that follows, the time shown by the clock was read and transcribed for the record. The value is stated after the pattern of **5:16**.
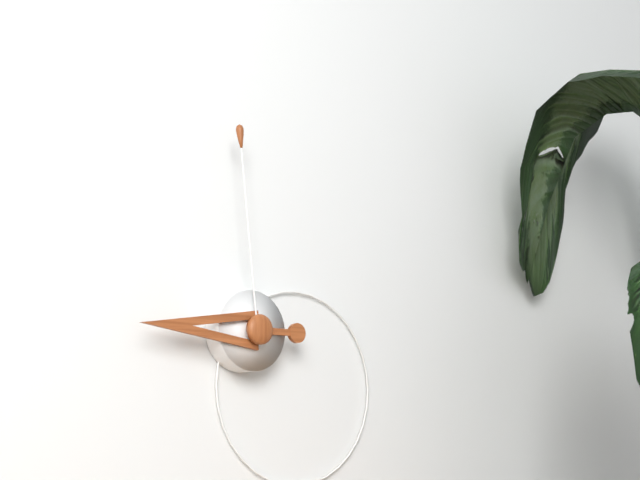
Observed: **8:59**
